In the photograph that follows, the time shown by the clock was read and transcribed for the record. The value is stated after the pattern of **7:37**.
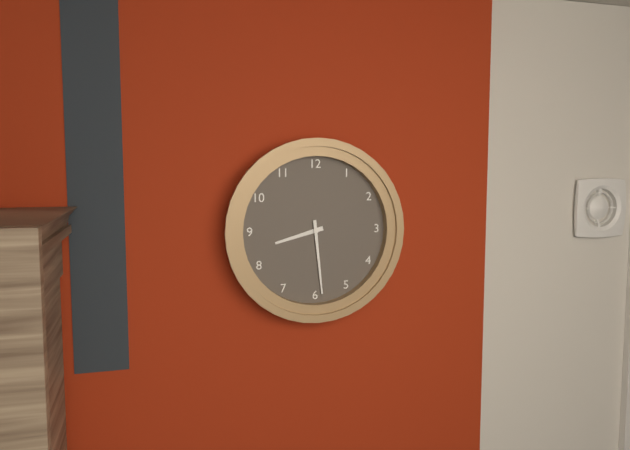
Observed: **8:29**
